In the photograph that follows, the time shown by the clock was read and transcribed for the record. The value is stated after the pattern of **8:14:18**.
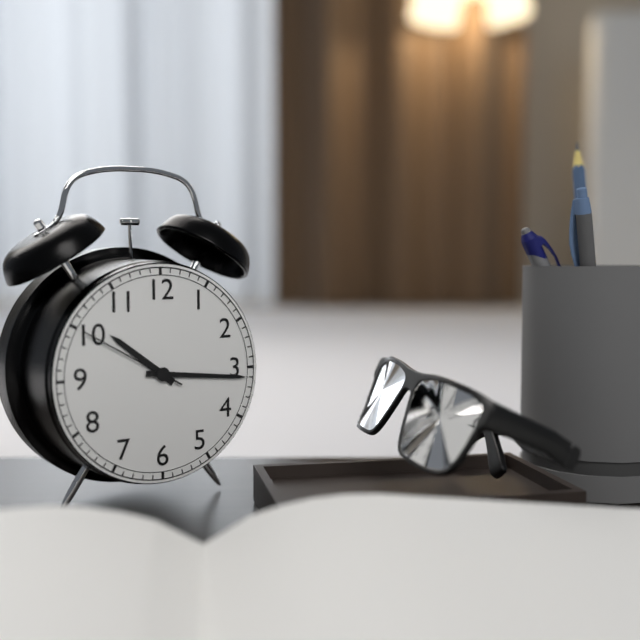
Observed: **10:16:50**
